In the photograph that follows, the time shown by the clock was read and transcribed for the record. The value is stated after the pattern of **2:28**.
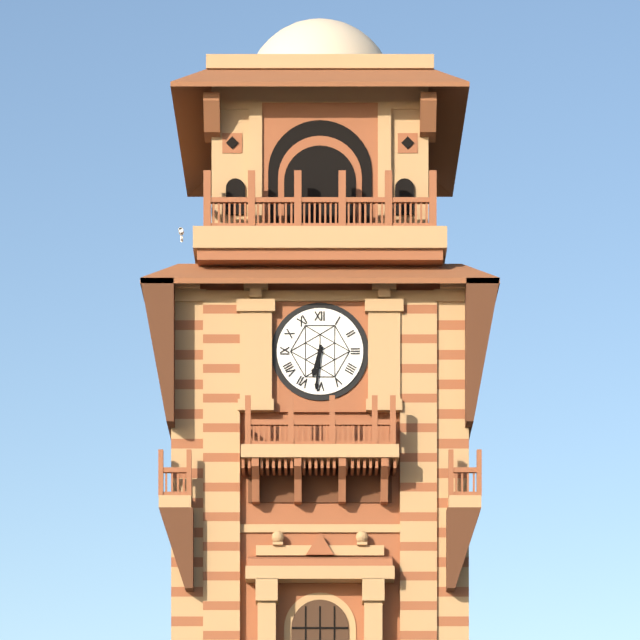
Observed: **6:31**
